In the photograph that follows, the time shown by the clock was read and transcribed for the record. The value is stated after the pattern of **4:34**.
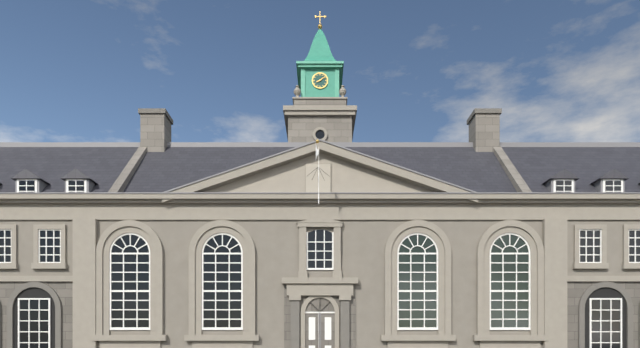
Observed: **8:09**
